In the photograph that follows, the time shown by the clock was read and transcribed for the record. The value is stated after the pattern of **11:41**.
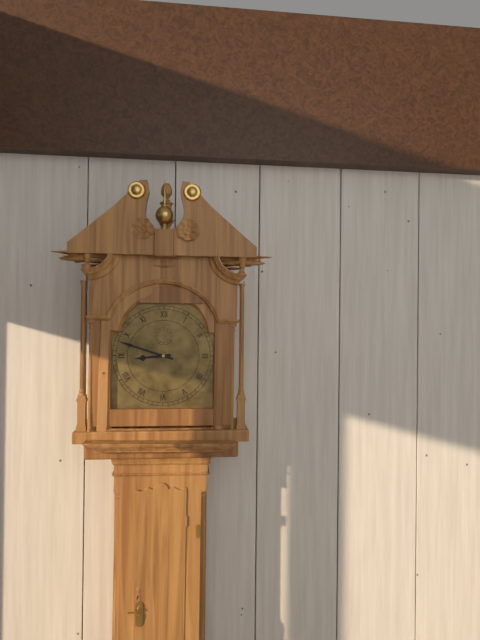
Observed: **8:48**
